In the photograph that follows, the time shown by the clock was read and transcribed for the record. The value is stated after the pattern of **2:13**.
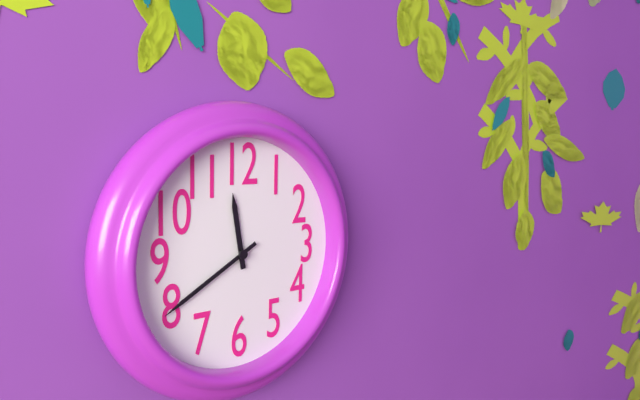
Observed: **11:40**
